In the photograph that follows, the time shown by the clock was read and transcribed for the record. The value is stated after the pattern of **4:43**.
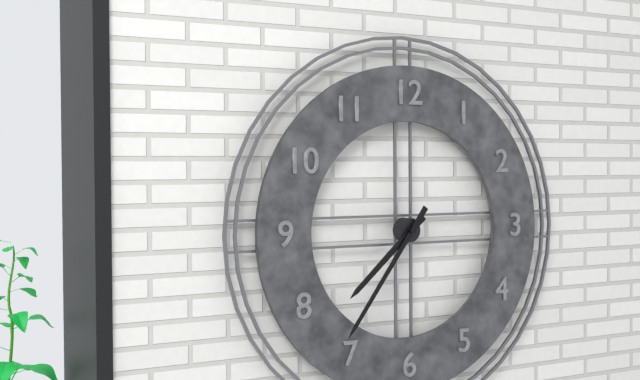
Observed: **7:36**
